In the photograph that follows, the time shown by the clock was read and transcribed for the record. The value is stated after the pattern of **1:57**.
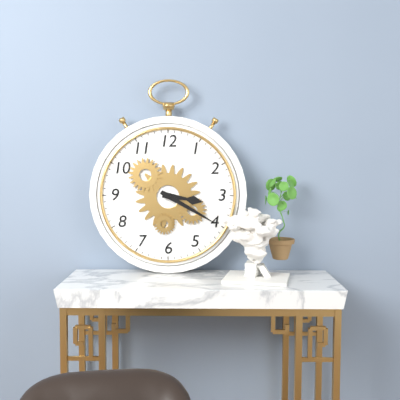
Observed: **3:20**
